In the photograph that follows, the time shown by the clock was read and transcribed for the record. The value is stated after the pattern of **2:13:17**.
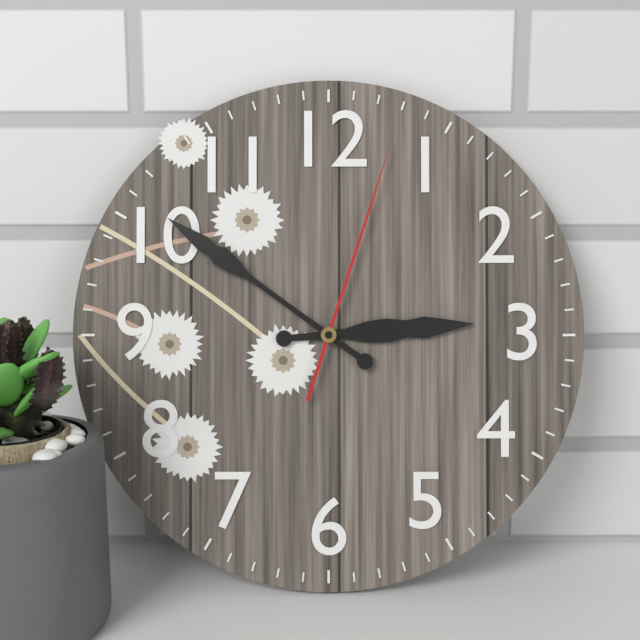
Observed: **2:51:03**
